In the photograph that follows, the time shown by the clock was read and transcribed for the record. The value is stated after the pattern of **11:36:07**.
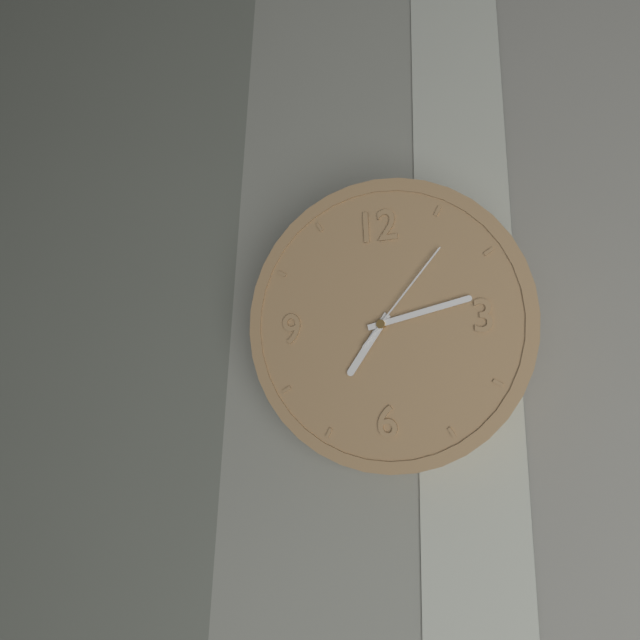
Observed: **7:13:07**
